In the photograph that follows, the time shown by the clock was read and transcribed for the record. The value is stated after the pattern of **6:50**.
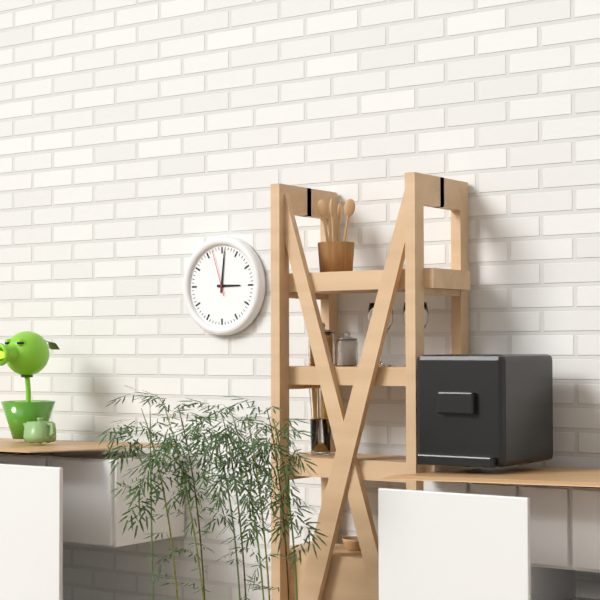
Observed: **3:01**
